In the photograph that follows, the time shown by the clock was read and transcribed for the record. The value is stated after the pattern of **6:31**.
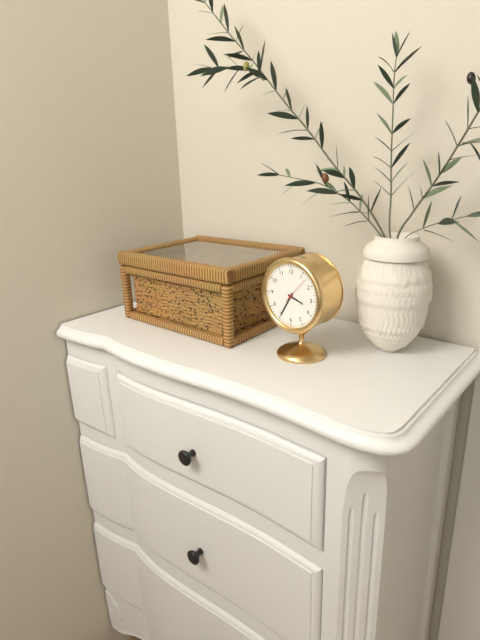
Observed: **3:35**
